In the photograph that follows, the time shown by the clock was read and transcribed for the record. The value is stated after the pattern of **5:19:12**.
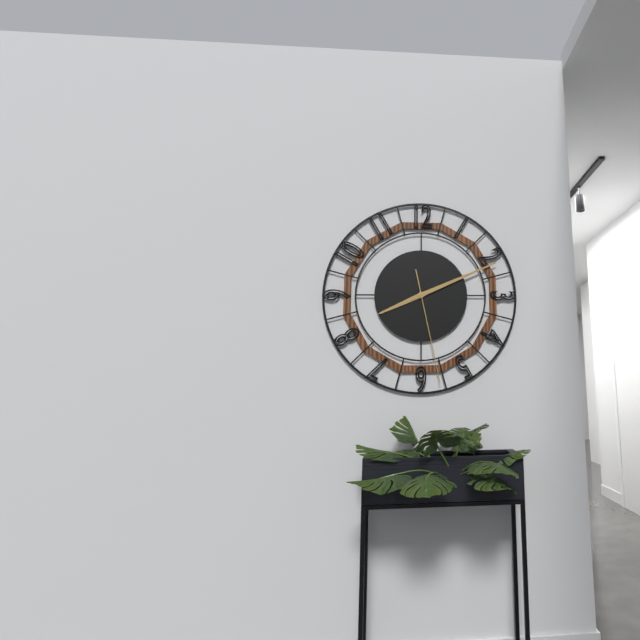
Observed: **8:11:28**
